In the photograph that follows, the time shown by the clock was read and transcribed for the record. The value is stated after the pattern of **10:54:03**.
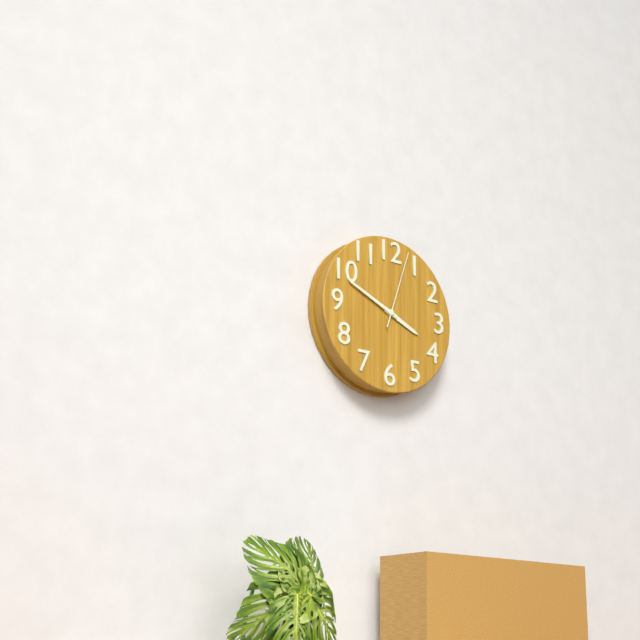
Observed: **3:49:03**
